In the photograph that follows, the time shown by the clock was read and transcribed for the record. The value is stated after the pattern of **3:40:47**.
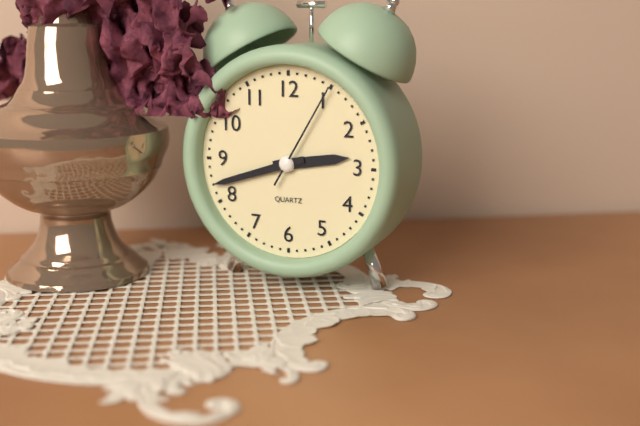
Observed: **2:42:05**
